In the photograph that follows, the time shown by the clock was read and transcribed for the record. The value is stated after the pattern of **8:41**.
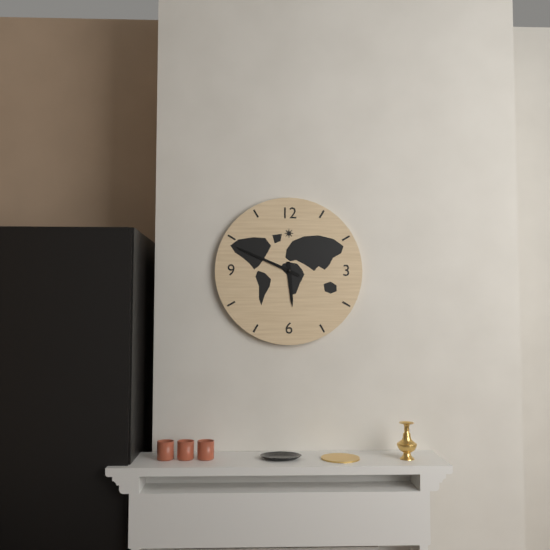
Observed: **5:49**
